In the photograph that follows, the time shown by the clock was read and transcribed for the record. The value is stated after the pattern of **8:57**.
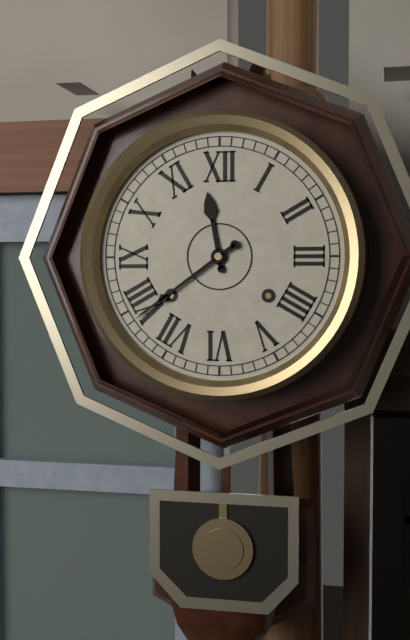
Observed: **11:39**
